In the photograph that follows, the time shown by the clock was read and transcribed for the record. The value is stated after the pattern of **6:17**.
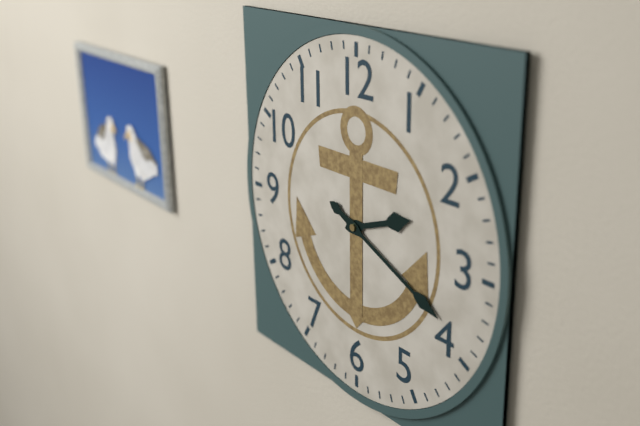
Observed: **2:19**
